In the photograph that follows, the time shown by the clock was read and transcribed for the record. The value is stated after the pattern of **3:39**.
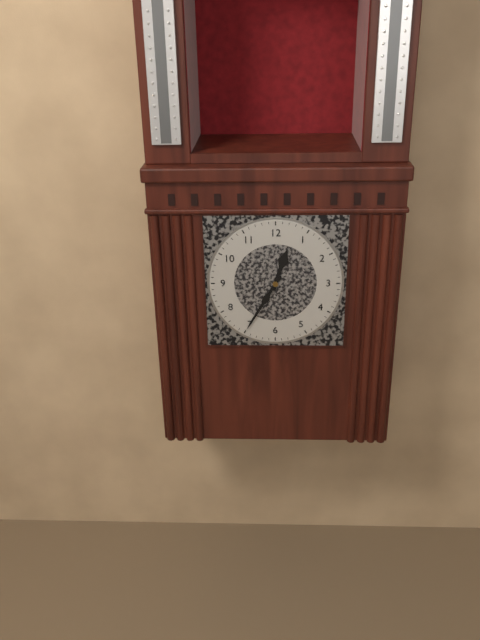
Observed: **12:35**
